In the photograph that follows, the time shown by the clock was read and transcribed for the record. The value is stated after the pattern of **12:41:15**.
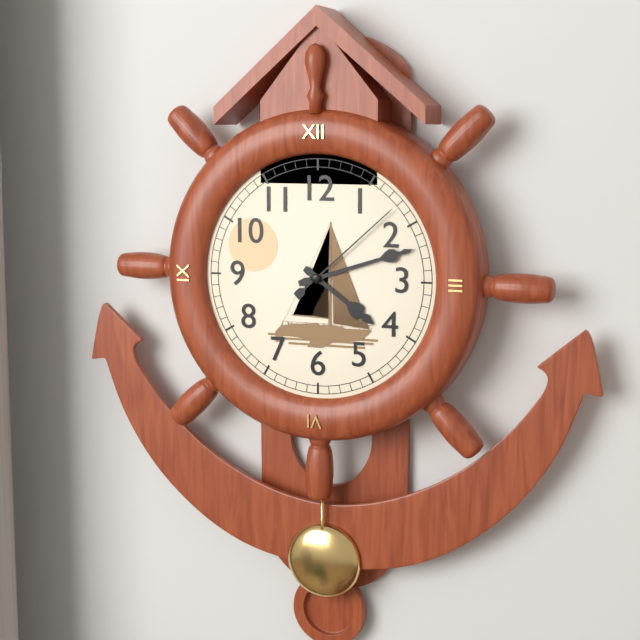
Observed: **4:12:08**
